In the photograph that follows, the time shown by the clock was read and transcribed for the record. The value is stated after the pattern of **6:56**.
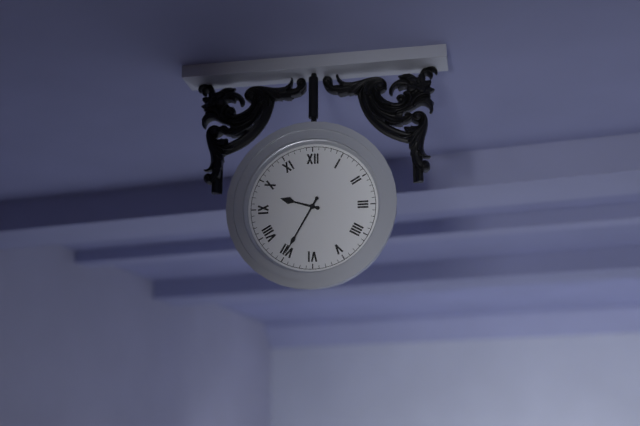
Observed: **9:35**
